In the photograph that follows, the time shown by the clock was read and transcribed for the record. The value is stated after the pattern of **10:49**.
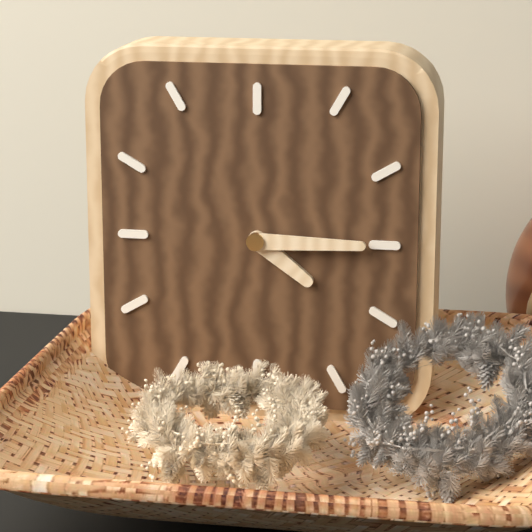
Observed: **4:15**
